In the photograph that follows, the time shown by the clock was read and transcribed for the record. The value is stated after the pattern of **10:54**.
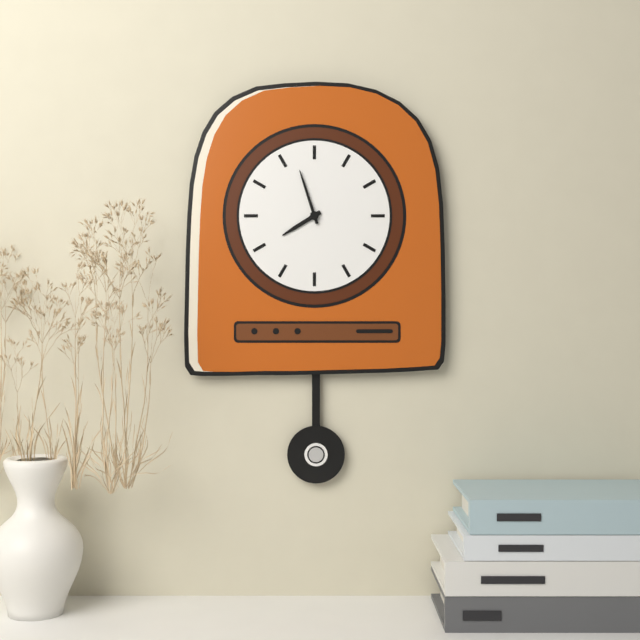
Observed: **7:57**
